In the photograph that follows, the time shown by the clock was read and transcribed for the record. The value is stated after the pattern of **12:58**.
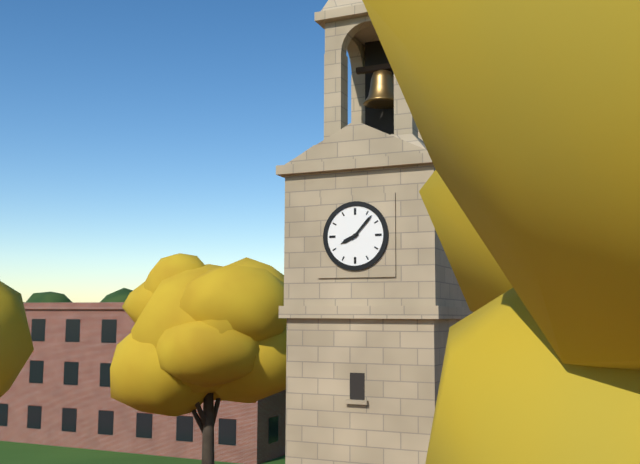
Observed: **8:07**
